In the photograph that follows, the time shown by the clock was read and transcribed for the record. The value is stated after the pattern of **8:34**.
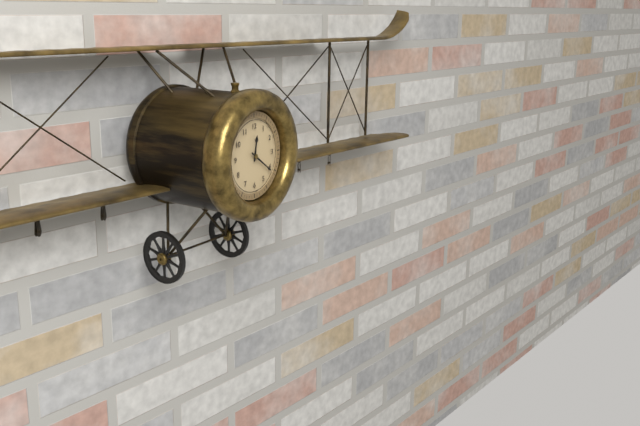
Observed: **12:21**
